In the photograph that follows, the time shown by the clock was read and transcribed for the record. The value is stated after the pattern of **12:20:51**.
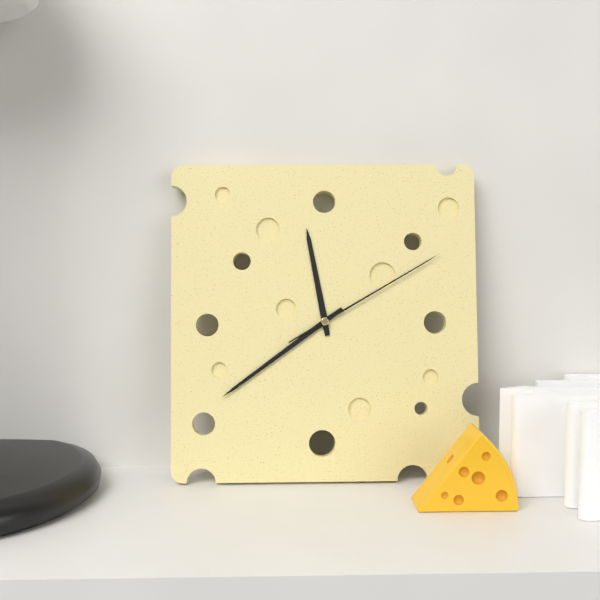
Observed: **11:39:10**
